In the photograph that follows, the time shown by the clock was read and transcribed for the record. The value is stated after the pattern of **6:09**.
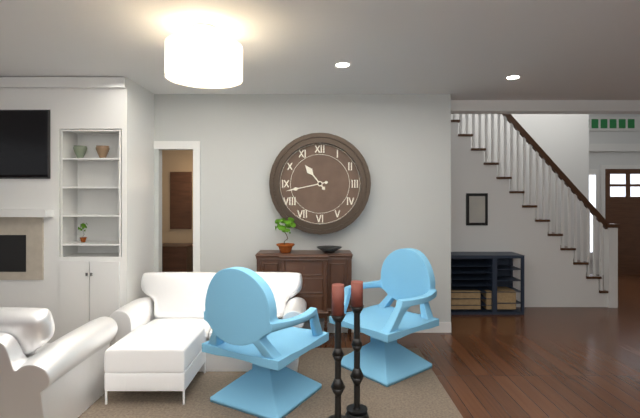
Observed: **10:43**
